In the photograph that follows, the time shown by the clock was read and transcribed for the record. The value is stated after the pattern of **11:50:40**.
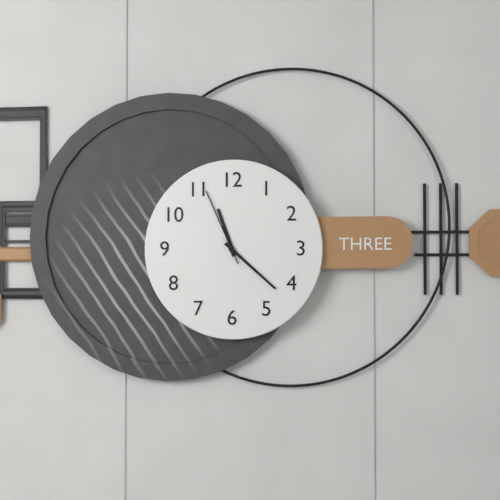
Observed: **11:22:56**
